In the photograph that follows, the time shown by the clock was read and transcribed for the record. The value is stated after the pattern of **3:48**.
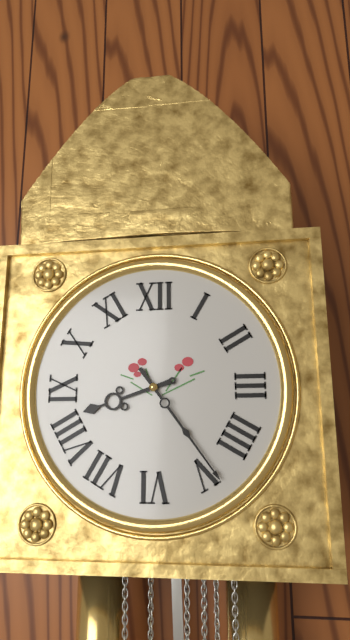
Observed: **8:24**
